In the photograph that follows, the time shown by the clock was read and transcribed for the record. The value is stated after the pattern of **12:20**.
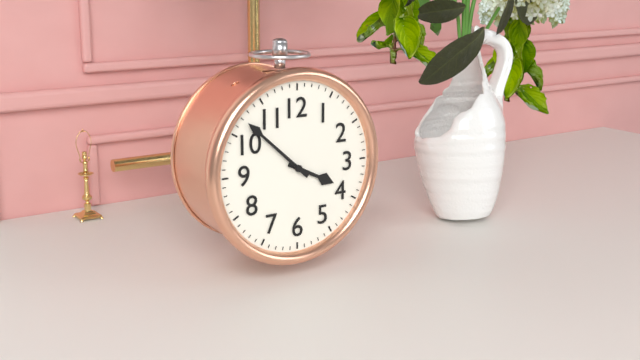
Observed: **3:52**
